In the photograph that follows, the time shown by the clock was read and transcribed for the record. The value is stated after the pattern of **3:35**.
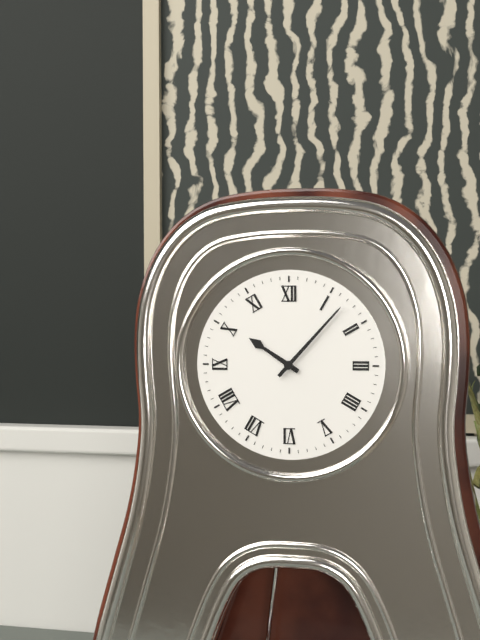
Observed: **10:07**
